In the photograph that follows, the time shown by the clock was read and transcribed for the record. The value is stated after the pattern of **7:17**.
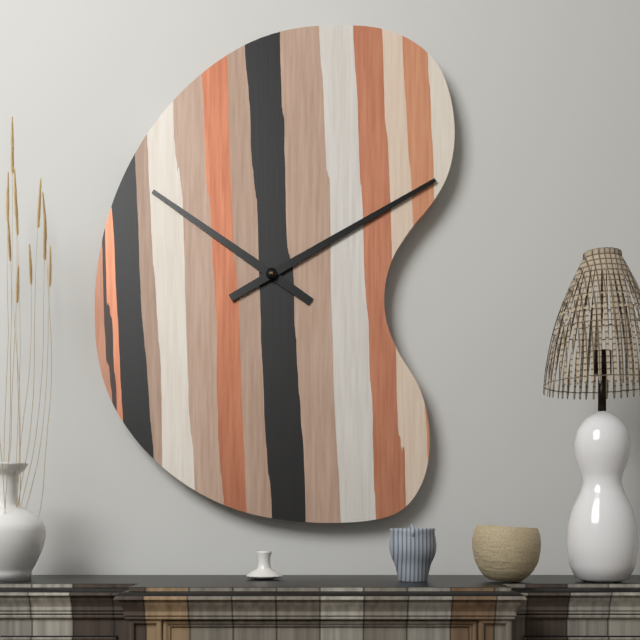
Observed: **10:10**
